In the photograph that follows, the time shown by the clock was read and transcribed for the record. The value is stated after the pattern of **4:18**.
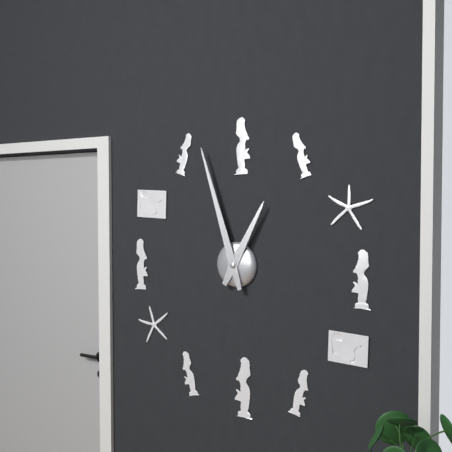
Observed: **12:57**
